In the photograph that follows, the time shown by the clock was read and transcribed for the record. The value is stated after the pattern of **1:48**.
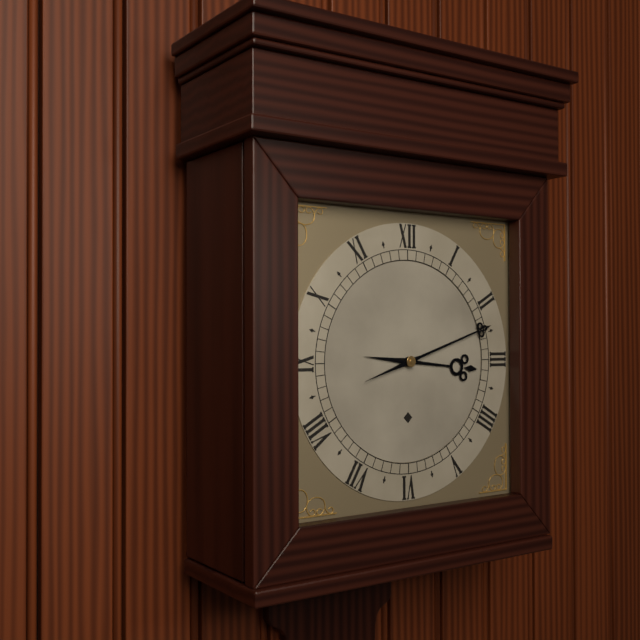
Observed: **3:12**
